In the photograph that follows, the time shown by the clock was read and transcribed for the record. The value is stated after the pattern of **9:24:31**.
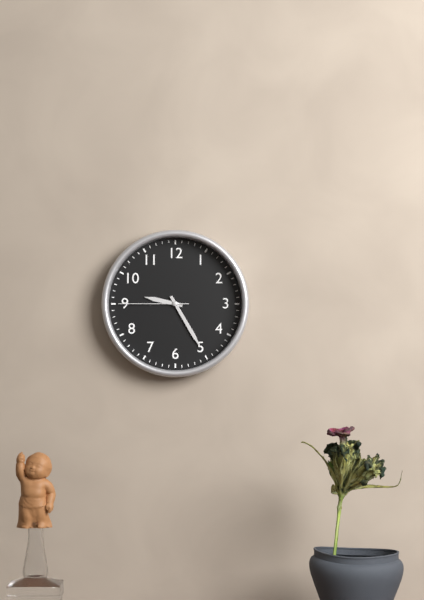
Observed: **9:25:45**
